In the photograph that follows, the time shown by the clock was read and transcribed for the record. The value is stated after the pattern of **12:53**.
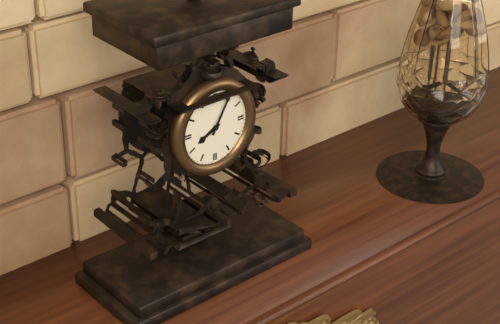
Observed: **8:05**
